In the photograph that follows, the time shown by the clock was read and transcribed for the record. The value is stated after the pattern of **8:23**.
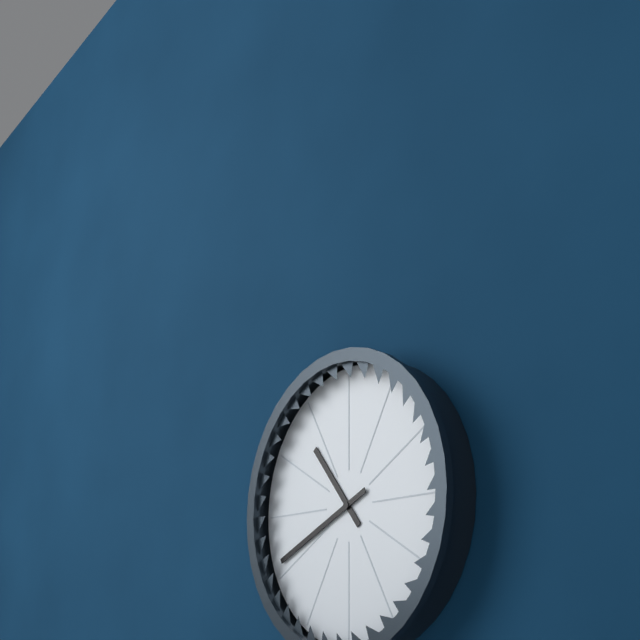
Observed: **10:41**
